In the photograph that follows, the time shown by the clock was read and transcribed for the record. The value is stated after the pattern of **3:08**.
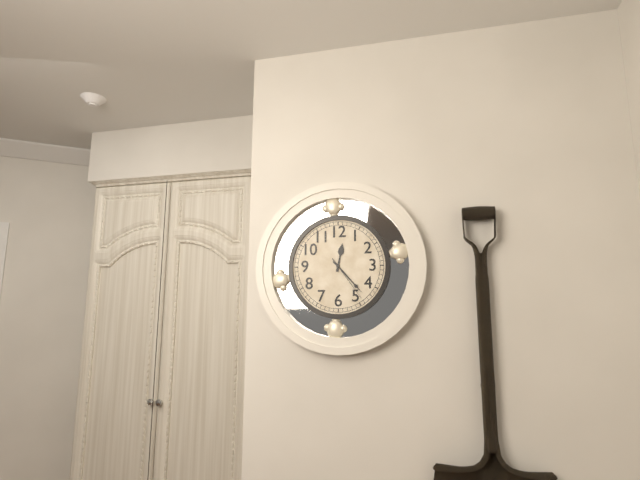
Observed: **12:23**
